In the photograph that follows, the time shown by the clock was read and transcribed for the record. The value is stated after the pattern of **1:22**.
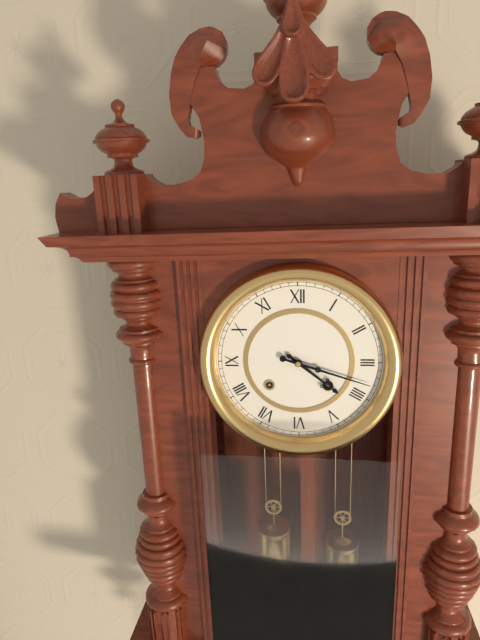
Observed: **4:18**
